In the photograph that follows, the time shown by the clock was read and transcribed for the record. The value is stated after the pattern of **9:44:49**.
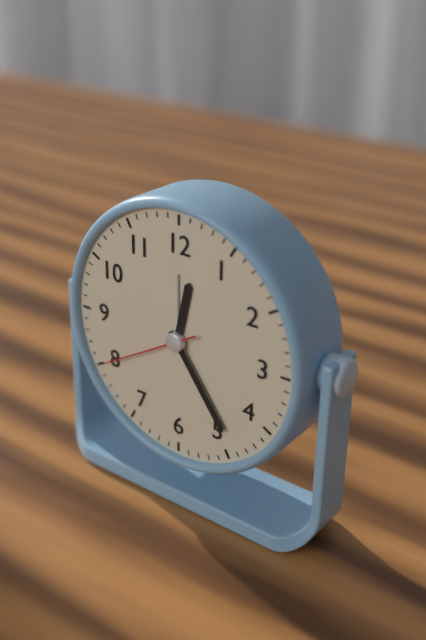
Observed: **12:24:40**
